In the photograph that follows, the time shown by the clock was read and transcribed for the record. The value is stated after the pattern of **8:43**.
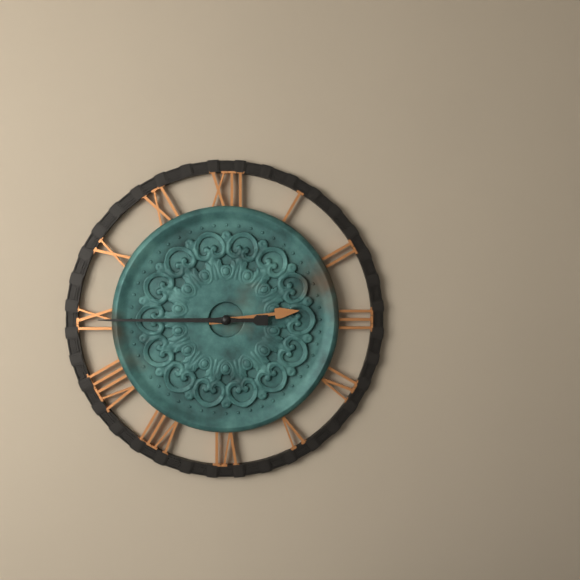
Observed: **2:45**
